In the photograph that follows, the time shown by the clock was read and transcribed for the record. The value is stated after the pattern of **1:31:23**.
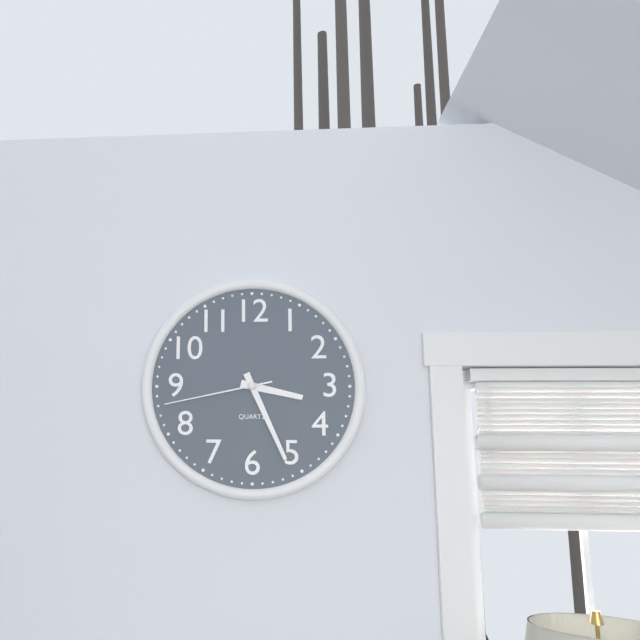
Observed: **3:26:43**
